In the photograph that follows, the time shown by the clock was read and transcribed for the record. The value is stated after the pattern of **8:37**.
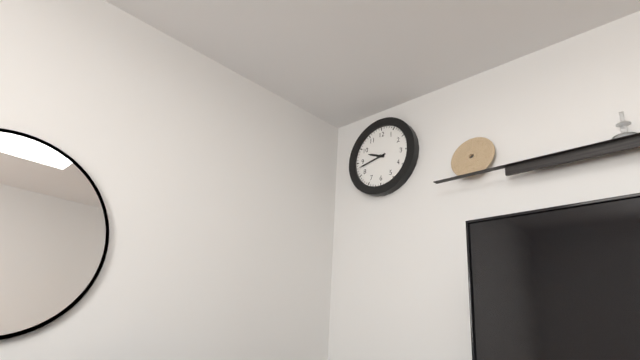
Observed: **9:43**
